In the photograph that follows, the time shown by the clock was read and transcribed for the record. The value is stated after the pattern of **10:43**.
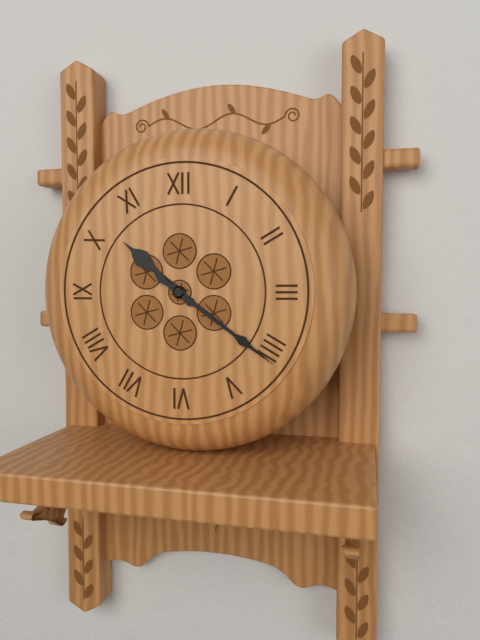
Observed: **10:21**
